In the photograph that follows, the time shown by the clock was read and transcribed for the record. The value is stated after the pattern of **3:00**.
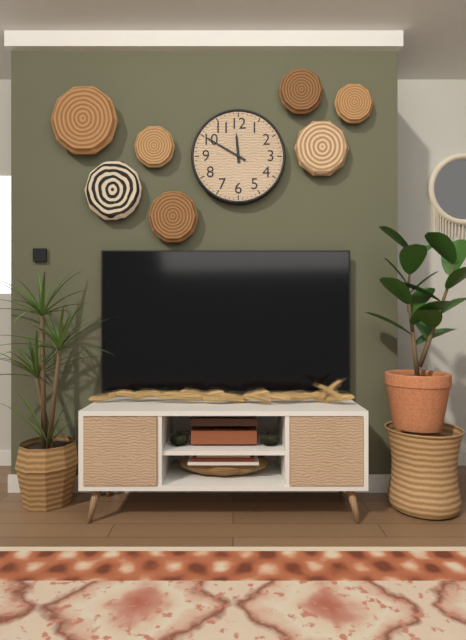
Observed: **11:50**
